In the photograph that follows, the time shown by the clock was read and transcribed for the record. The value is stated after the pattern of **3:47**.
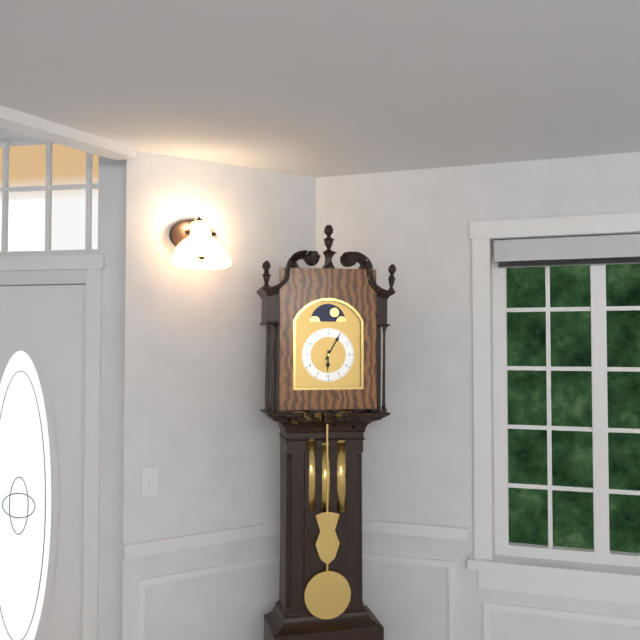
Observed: **6:05**
